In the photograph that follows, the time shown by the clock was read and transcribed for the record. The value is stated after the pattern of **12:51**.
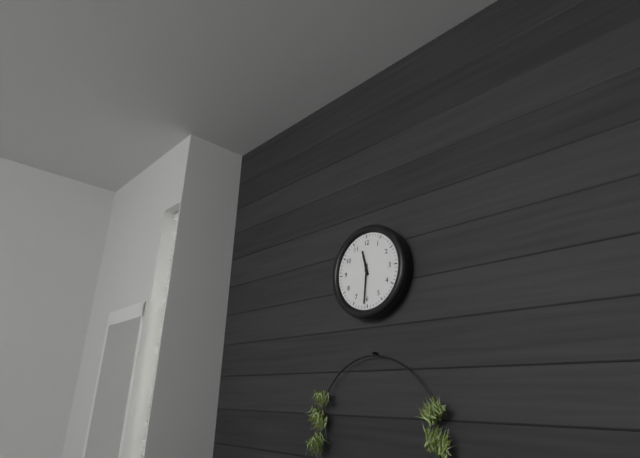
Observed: **11:31**
